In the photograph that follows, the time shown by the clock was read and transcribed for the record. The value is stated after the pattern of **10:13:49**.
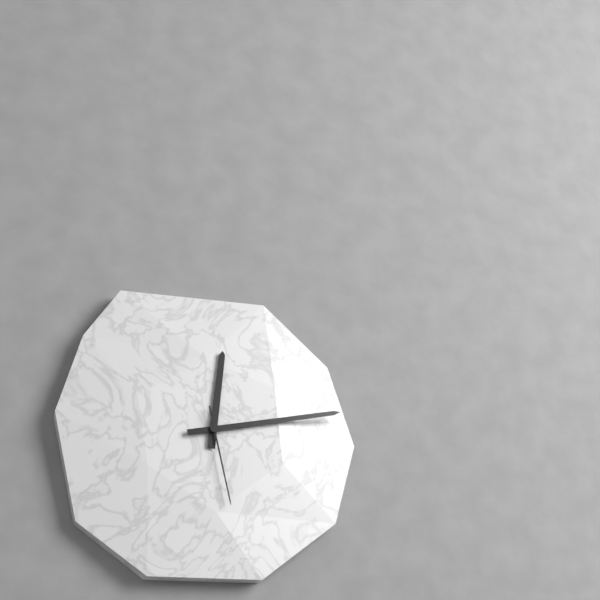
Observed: **12:13:28**
